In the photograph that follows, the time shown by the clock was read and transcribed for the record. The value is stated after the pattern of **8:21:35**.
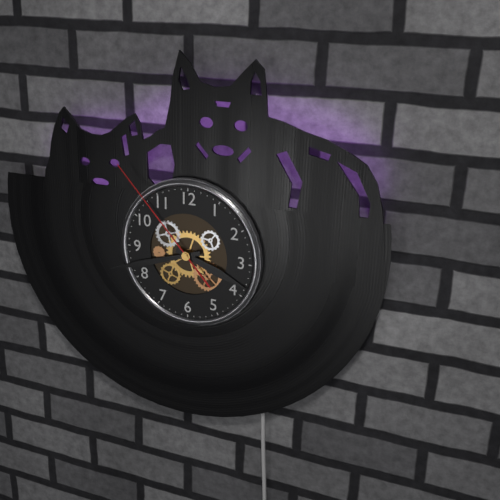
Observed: **3:42:53**
